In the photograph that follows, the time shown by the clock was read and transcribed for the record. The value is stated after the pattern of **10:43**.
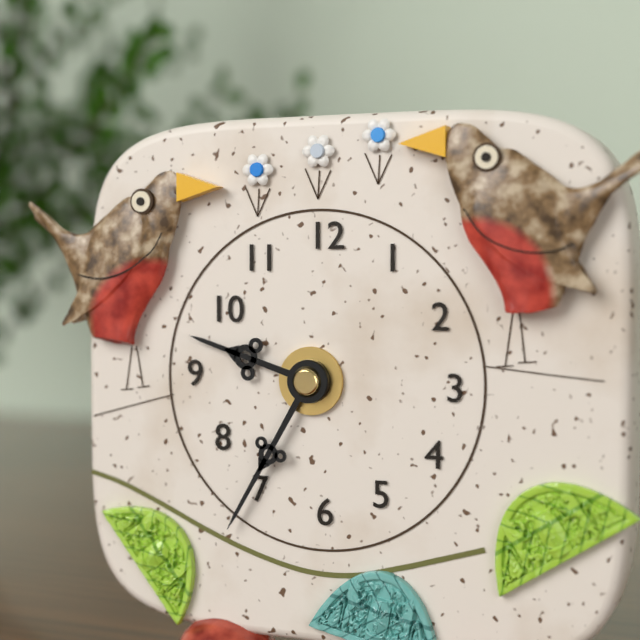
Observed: **9:35**
